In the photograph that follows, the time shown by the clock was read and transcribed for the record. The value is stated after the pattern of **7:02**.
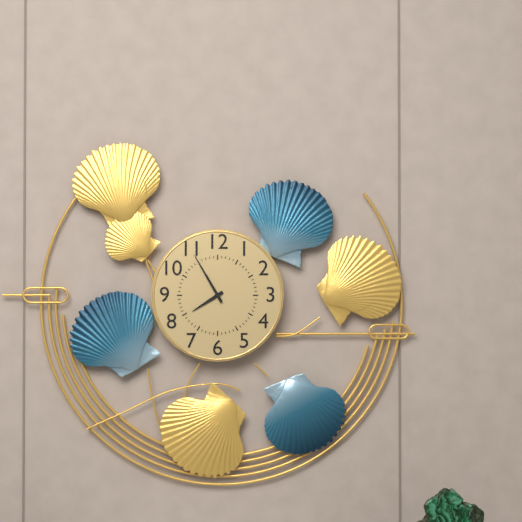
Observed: **7:55**
